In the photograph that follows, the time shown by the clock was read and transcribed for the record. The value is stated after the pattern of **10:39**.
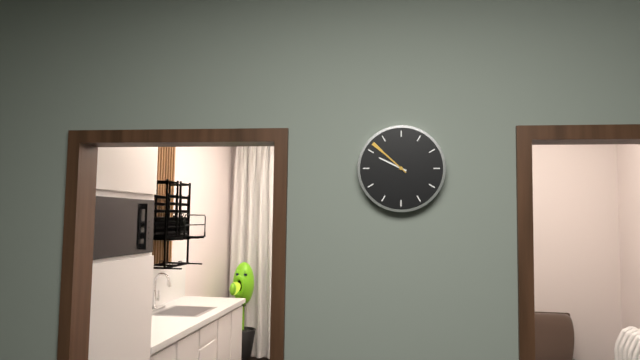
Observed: **9:52**
